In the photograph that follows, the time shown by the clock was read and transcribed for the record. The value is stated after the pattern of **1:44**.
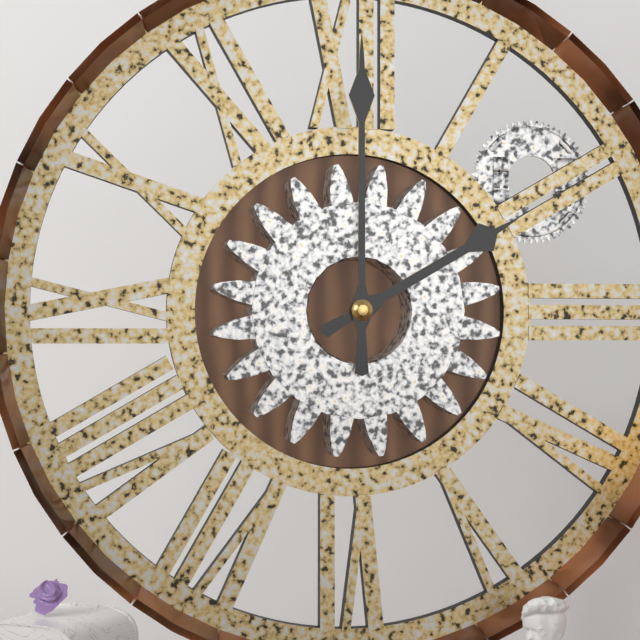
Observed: **2:00**
